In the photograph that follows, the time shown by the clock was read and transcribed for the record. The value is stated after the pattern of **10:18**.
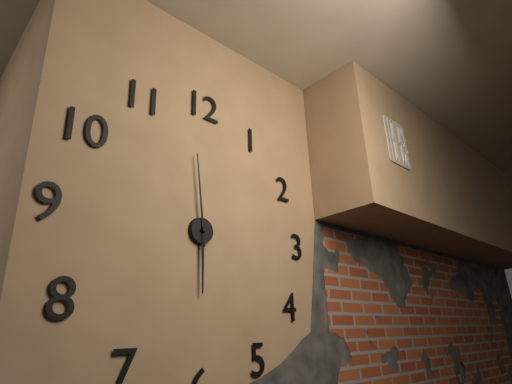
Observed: **5:59**
